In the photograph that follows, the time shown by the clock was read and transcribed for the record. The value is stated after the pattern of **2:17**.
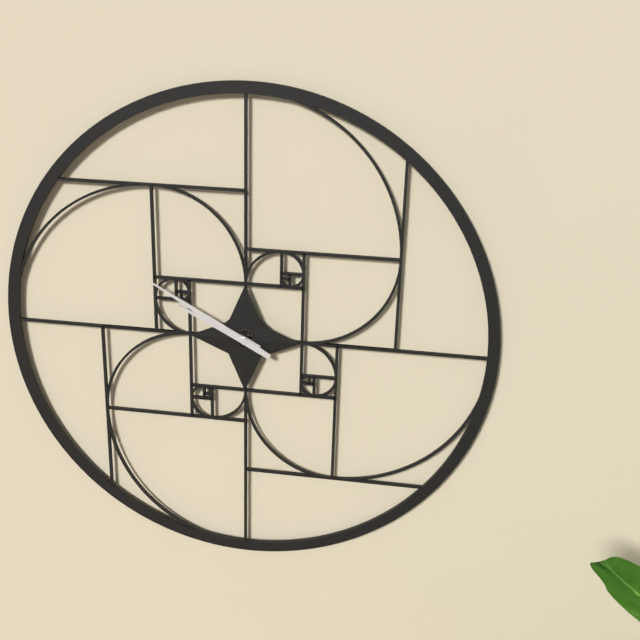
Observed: **9:50**
